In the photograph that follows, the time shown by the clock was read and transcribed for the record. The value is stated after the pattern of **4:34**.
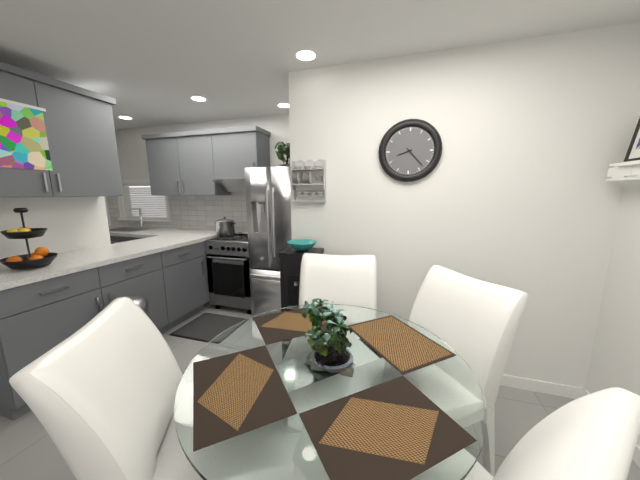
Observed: **8:23**
